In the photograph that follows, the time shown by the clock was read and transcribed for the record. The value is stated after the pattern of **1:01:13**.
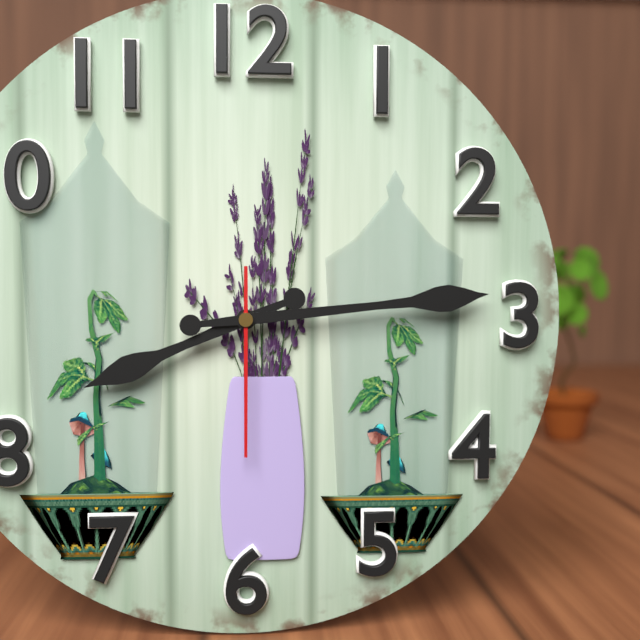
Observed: **8:14:30**
